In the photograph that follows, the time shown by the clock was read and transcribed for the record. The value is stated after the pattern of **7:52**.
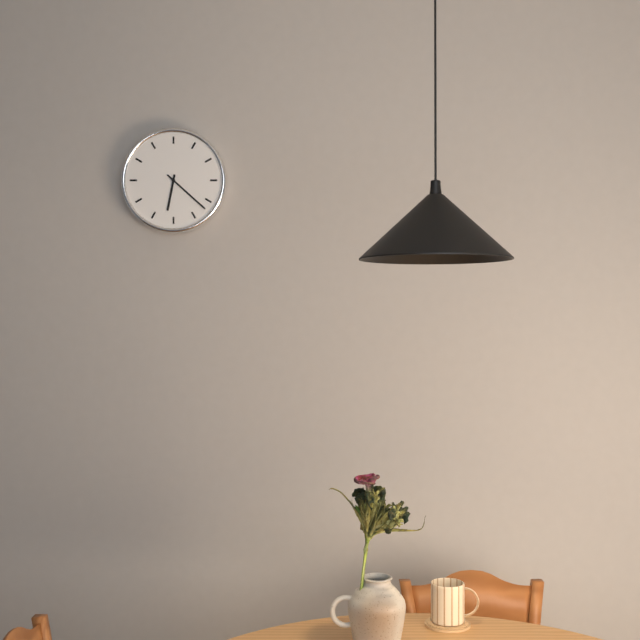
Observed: **6:22**
